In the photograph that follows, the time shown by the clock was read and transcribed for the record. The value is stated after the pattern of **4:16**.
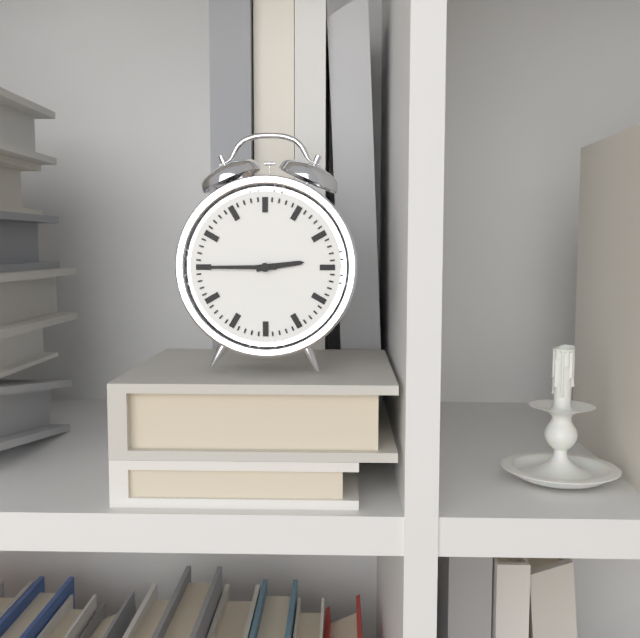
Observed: **2:45**
